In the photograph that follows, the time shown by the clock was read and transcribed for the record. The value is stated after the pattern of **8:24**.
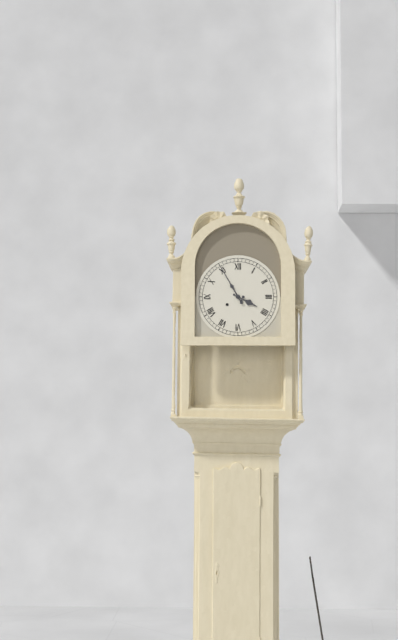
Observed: **3:55**
